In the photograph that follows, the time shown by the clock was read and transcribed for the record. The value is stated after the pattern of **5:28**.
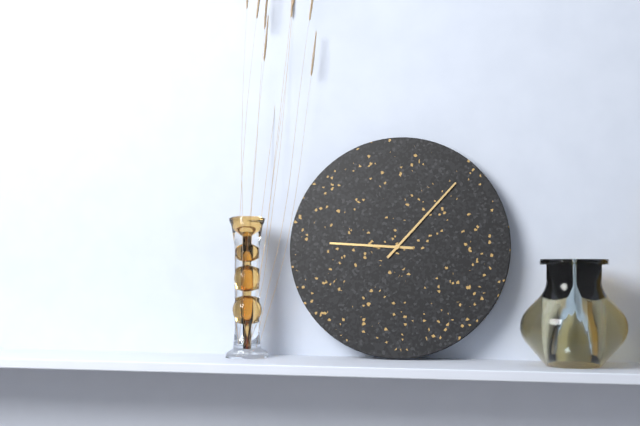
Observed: **9:07**
